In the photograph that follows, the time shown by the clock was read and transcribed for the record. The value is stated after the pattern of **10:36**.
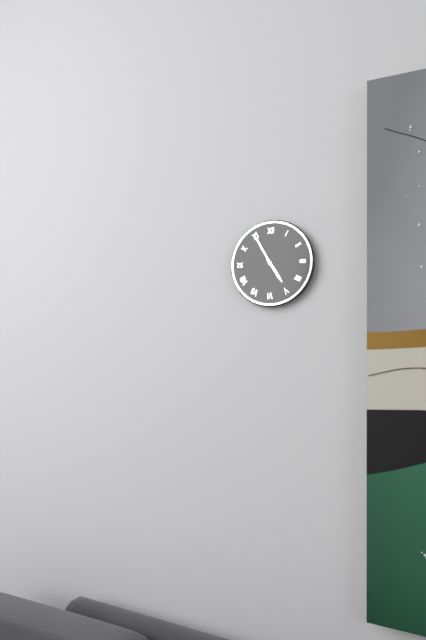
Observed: **4:55**
